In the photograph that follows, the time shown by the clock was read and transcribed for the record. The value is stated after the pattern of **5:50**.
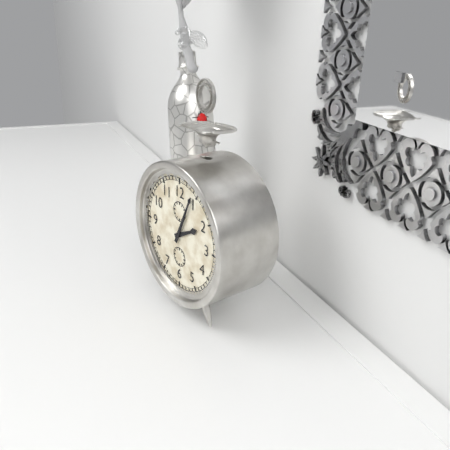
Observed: **2:04**
